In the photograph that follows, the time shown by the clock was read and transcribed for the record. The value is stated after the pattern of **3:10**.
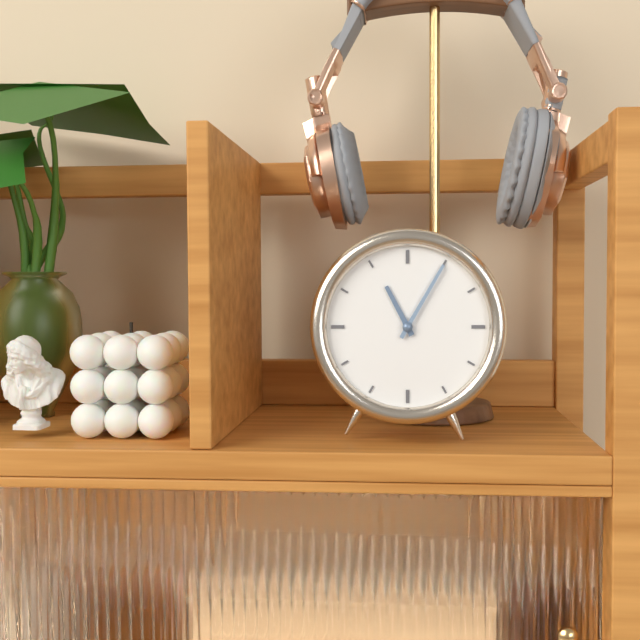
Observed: **11:05**
